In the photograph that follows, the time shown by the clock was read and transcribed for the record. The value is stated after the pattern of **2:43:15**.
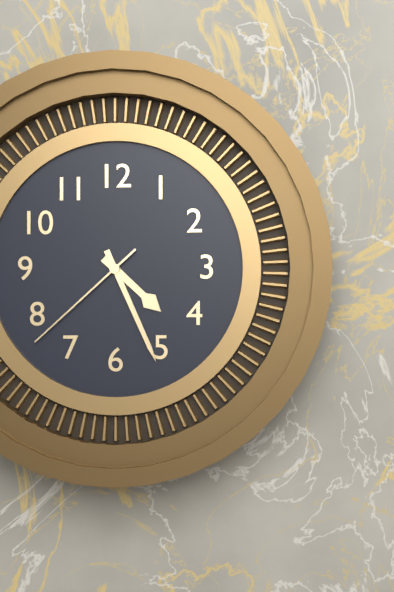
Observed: **4:26:38**
